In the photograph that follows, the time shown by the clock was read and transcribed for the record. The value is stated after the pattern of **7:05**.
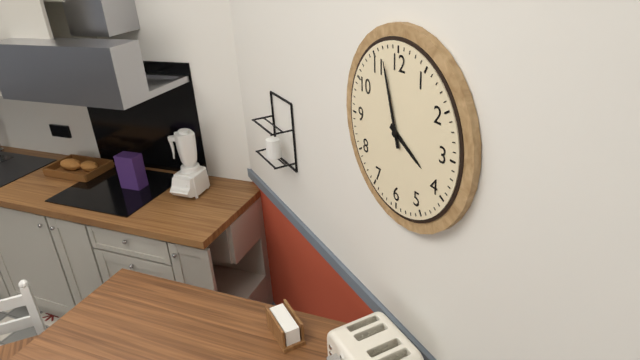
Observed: **3:57**
